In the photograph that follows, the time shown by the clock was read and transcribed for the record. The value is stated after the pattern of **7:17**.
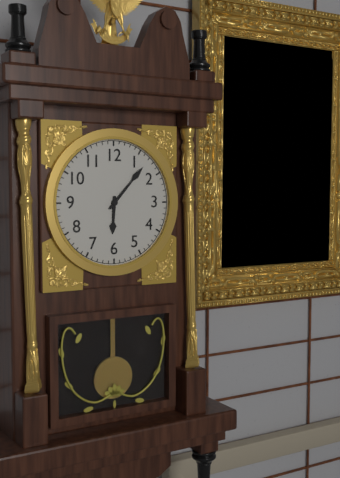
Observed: **6:07**
